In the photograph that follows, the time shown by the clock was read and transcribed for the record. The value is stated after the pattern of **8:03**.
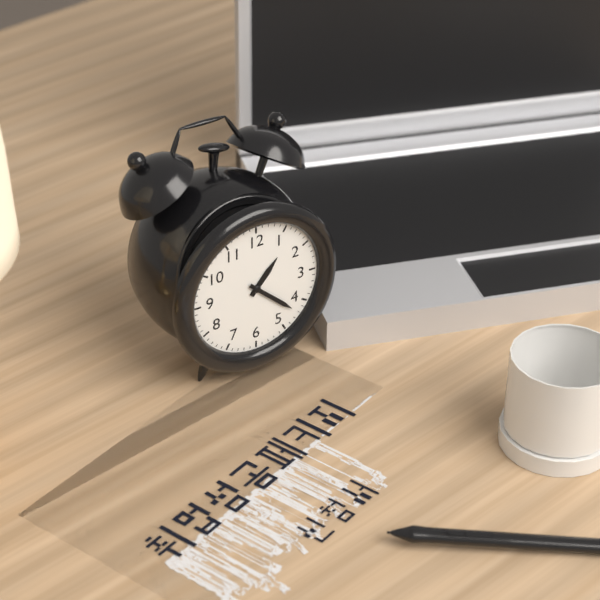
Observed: **1:22**
